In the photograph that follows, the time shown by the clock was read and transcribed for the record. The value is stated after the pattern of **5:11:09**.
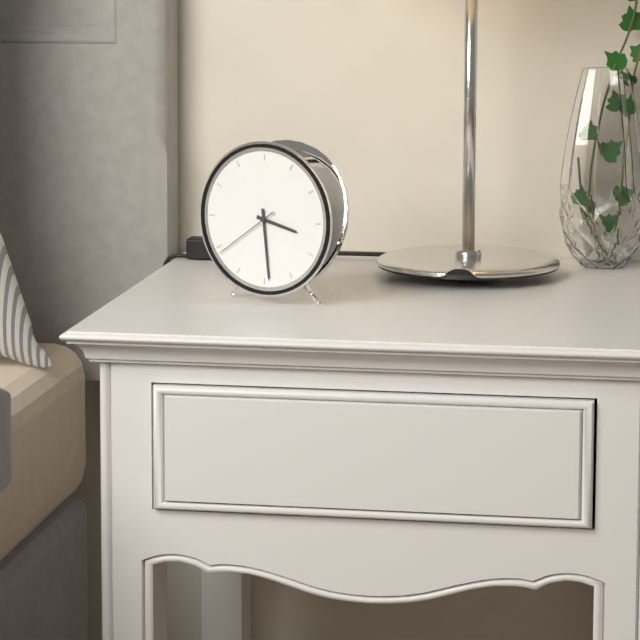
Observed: **3:29:39**
